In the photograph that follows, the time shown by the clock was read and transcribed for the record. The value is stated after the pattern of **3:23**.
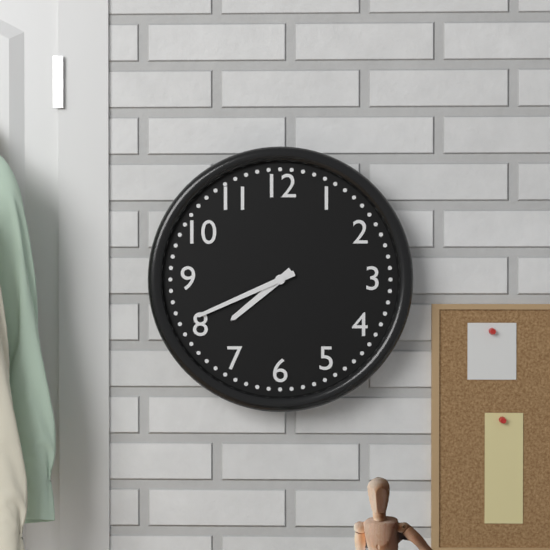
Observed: **7:41**
